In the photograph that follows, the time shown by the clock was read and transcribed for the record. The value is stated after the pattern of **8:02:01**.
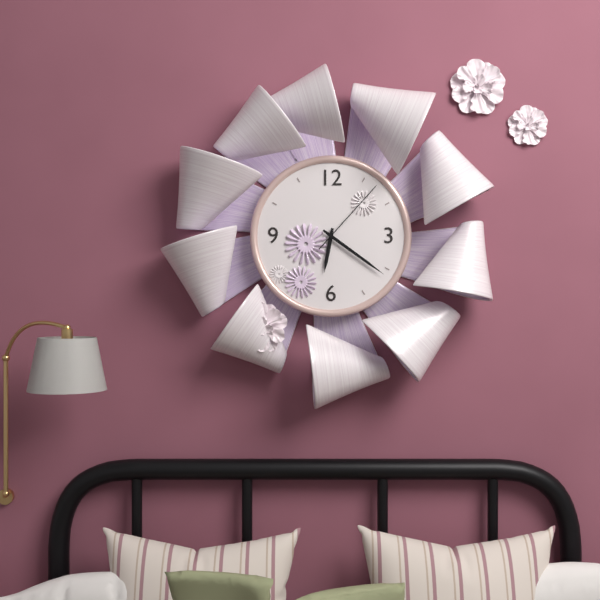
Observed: **6:21:07**
